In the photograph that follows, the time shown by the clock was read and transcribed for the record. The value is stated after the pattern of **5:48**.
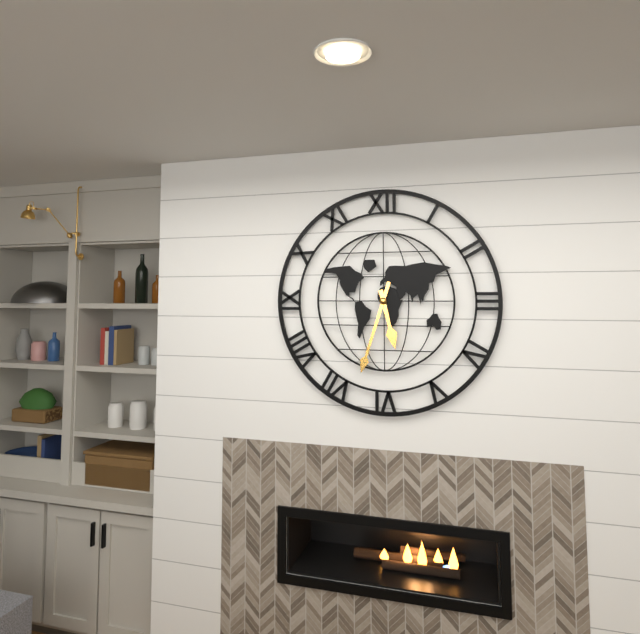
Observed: **5:33**
